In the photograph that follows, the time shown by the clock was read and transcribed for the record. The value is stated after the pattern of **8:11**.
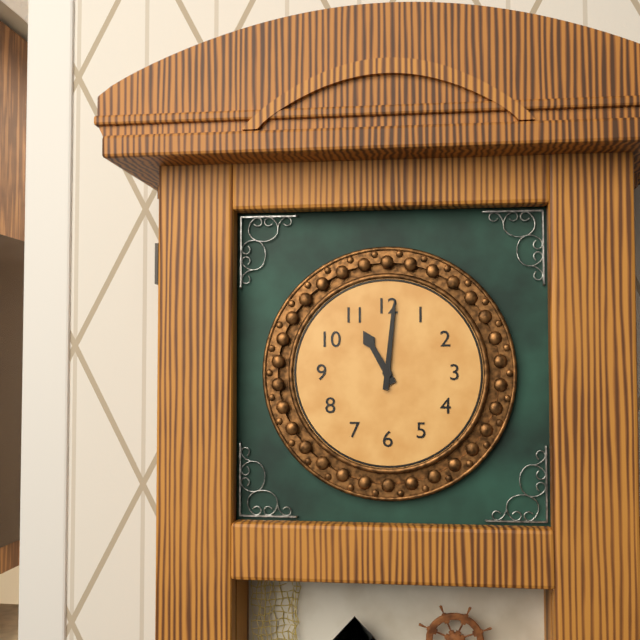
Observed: **11:01**
